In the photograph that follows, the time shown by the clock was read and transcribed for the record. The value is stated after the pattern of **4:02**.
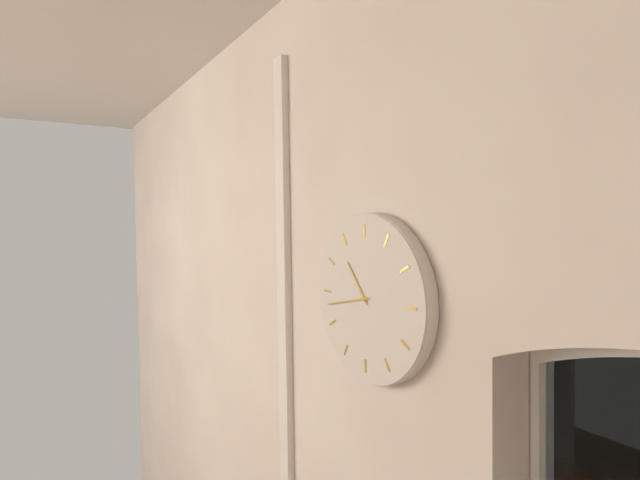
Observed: **10:43**
